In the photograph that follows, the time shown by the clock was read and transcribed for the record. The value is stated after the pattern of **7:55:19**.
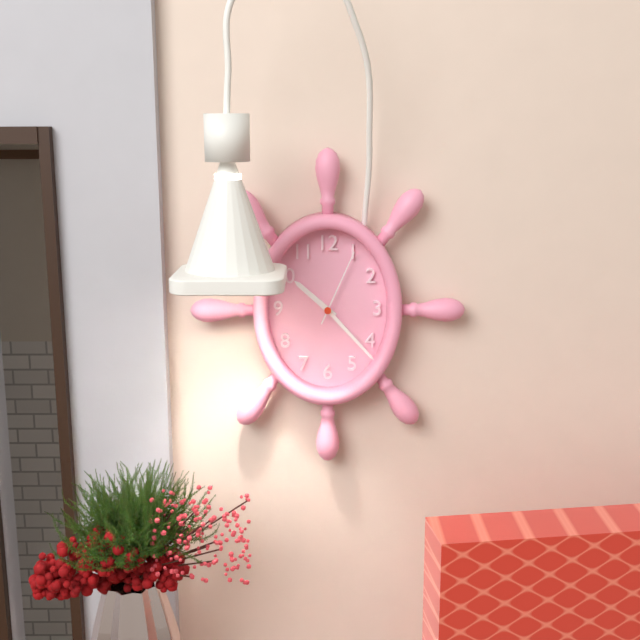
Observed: **10:23:04**
